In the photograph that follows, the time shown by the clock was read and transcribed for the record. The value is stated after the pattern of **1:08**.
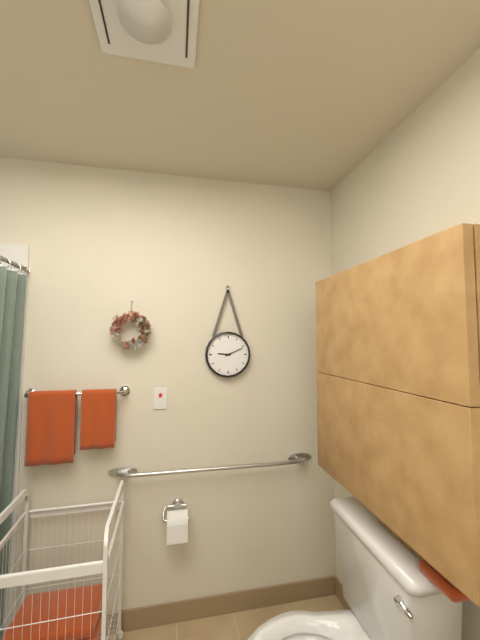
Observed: **9:11**
